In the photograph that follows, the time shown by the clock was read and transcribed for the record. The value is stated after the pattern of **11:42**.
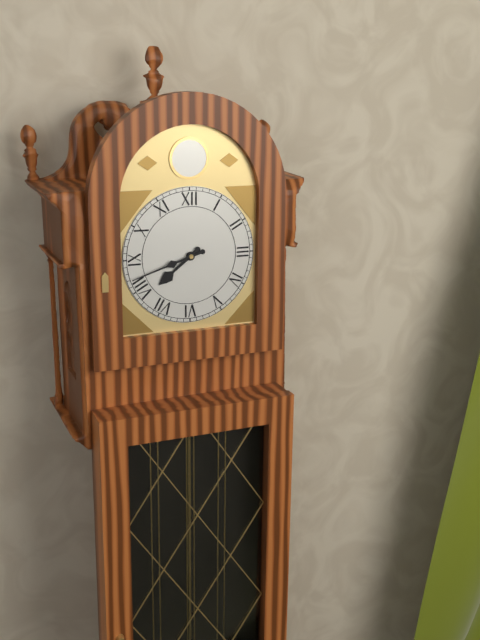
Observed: **7:42**
